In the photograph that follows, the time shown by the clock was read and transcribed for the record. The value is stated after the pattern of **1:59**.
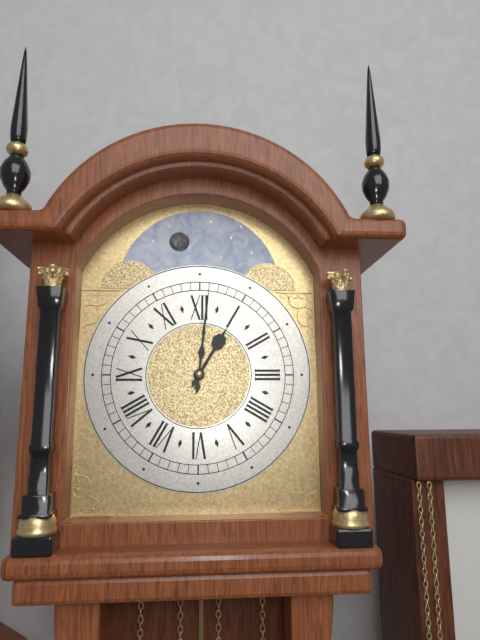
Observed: **1:01**
